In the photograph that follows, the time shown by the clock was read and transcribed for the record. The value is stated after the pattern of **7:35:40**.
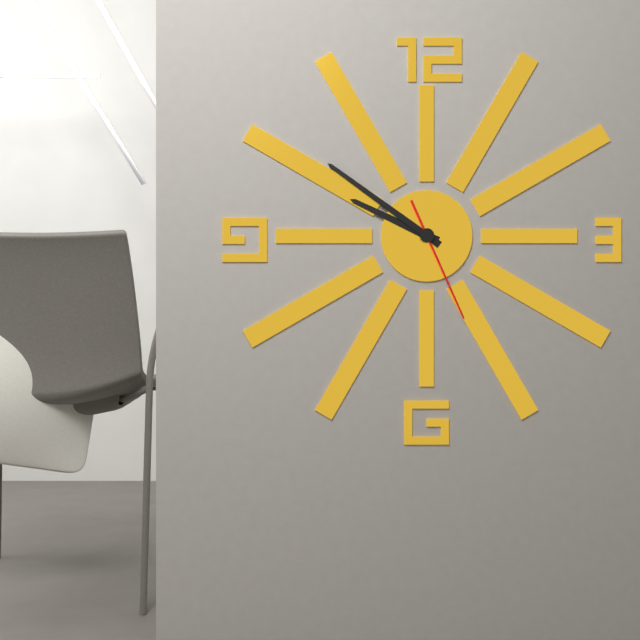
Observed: **9:51:26**
